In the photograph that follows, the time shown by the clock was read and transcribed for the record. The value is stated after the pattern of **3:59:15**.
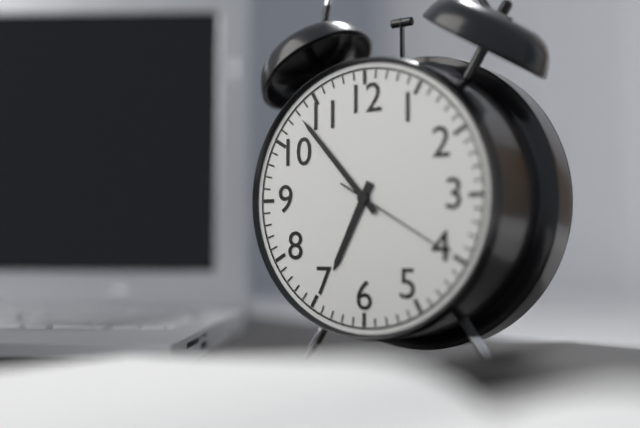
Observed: **6:53:20**
